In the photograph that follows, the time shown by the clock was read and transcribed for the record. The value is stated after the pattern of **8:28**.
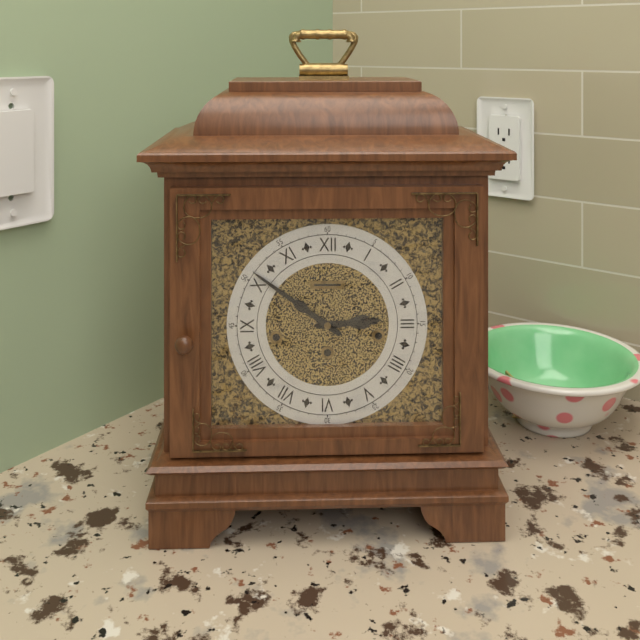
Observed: **2:51**
